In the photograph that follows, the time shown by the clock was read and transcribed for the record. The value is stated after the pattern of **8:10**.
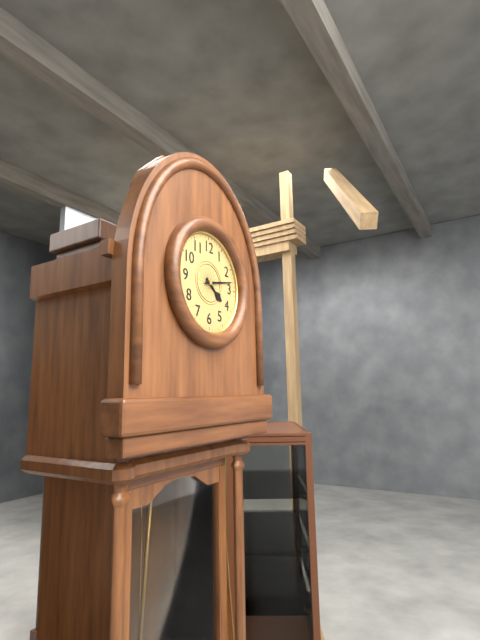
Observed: **4:13**
